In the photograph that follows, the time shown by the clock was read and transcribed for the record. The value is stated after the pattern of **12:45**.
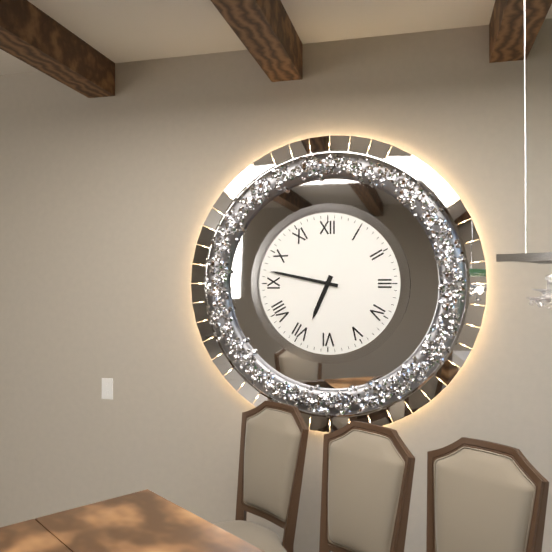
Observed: **6:47**
